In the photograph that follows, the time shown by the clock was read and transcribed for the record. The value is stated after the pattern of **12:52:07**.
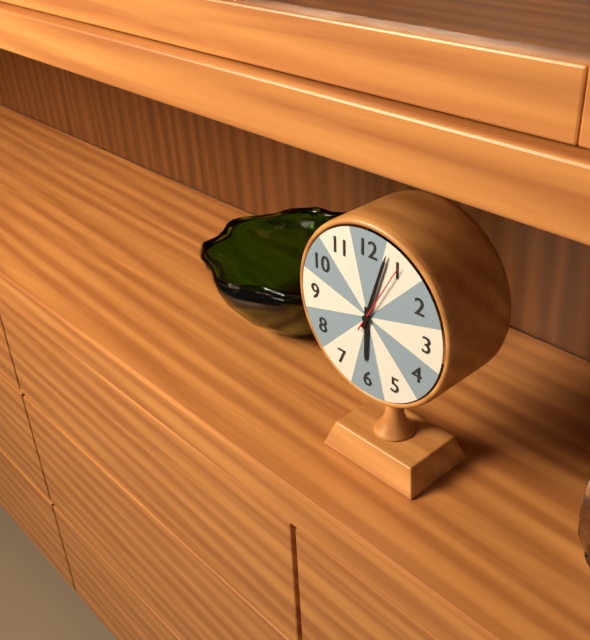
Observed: **6:03:05**
